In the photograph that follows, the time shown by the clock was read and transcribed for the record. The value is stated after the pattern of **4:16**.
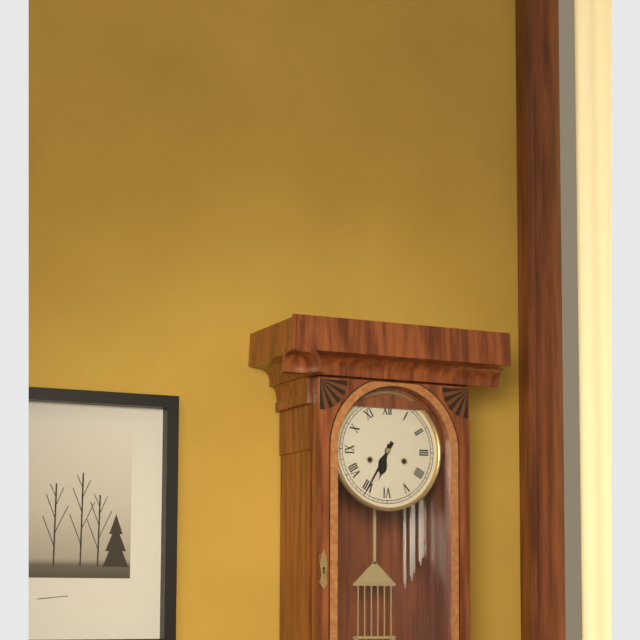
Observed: **6:35**
